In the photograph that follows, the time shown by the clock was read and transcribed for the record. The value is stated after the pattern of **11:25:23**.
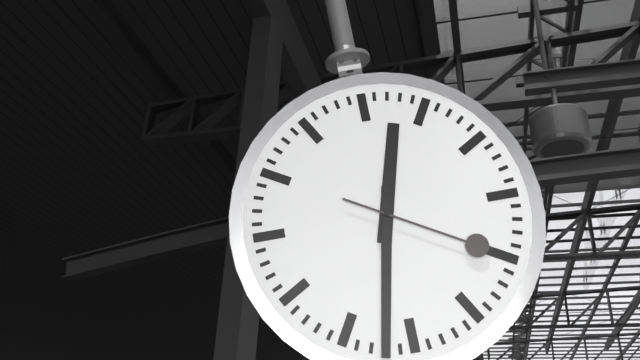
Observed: **12:32:20**
